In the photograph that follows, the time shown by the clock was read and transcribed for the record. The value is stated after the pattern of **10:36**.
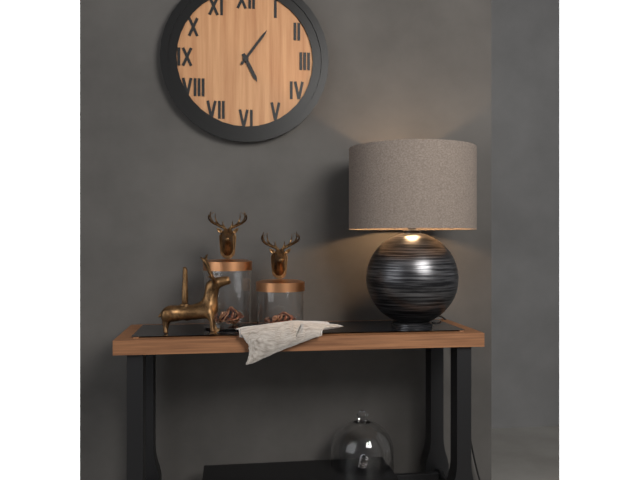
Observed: **5:06**
